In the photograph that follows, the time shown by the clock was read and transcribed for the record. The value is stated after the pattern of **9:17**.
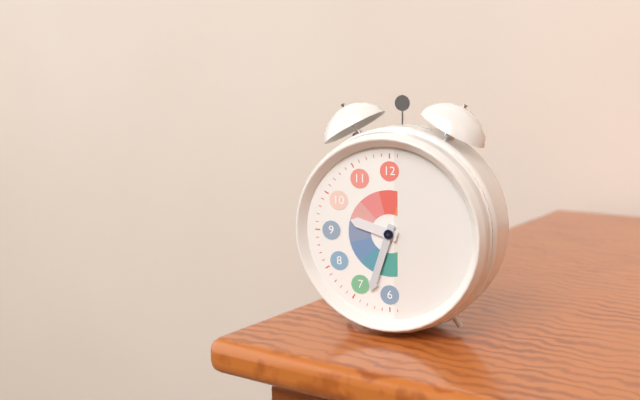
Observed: **9:33**
